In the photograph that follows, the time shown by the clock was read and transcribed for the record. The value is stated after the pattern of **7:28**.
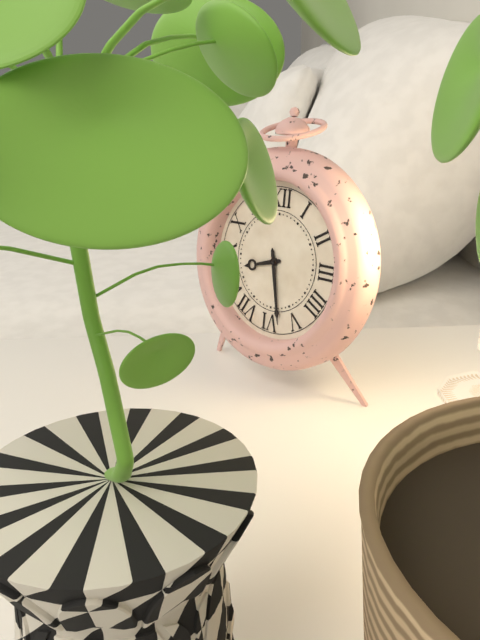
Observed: **8:28**
